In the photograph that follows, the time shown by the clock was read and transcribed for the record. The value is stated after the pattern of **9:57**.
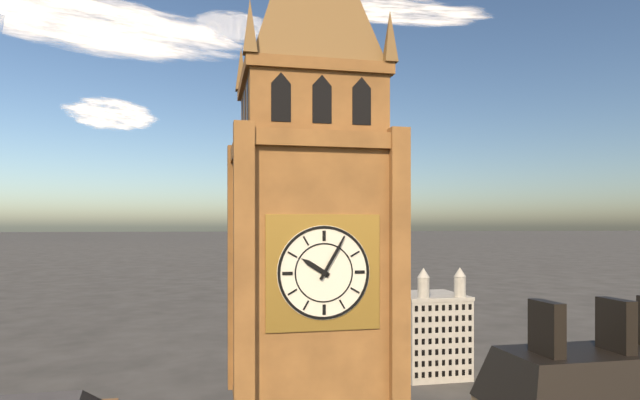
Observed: **10:05**
